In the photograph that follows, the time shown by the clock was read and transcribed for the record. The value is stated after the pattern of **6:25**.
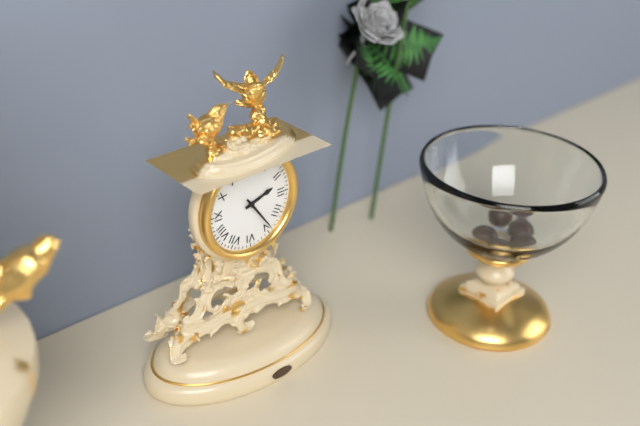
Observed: **2:24**
